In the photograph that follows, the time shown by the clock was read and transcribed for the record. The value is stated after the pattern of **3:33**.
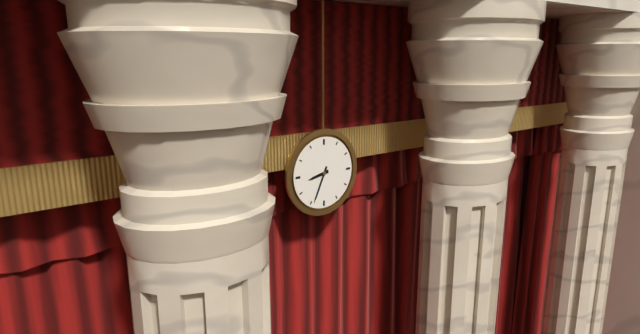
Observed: **8:34**
